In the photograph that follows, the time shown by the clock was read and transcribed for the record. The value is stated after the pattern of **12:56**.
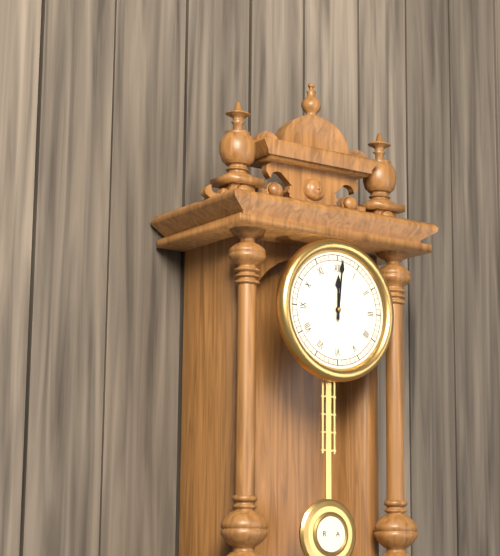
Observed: **12:01**
